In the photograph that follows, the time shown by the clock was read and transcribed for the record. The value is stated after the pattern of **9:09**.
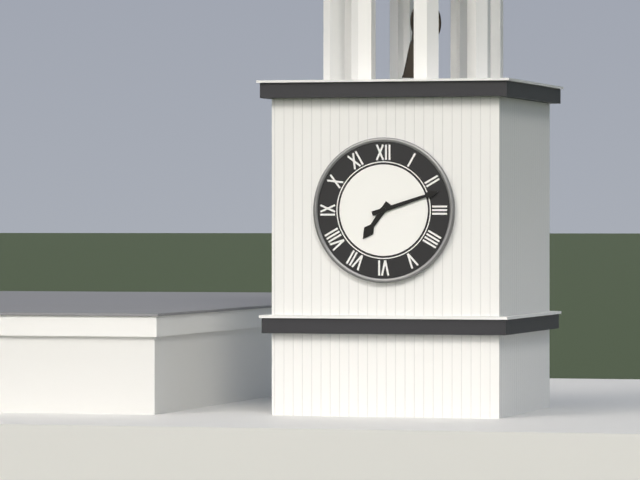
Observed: **7:12**
